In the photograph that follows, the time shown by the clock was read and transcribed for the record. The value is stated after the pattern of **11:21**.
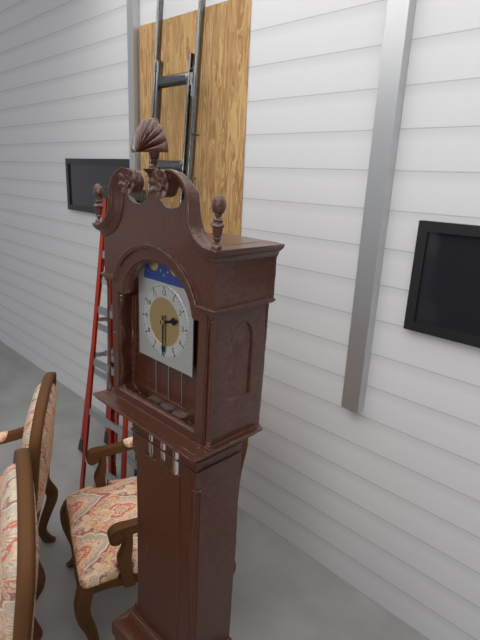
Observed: **2:30**
